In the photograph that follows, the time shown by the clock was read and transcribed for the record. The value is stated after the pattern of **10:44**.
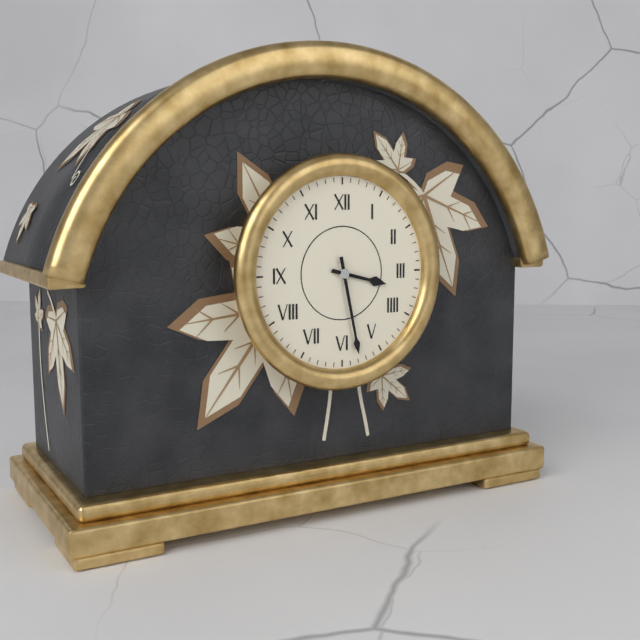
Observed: **3:28**
